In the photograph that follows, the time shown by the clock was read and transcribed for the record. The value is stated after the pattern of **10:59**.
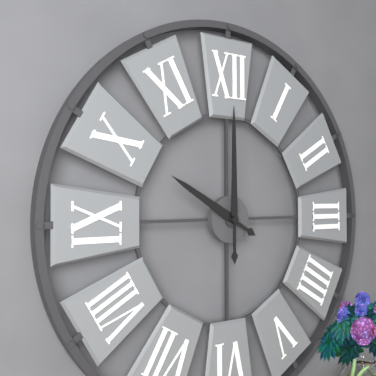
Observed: **10:00**
